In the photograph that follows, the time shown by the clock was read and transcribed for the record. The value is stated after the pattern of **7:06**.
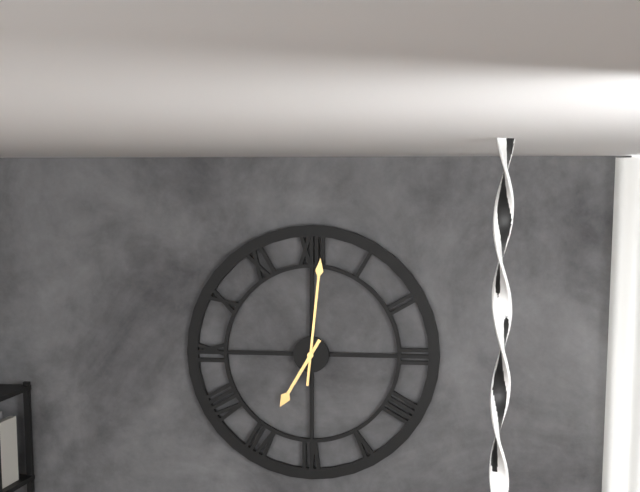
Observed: **7:01**
